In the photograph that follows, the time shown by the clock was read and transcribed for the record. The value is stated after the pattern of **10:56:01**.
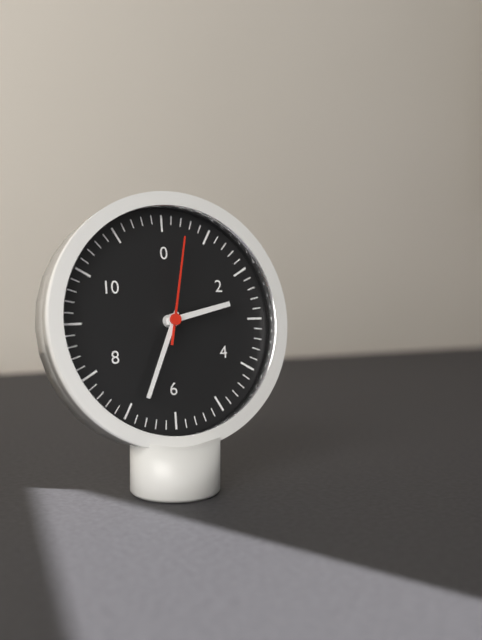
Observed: **2:34:02**
